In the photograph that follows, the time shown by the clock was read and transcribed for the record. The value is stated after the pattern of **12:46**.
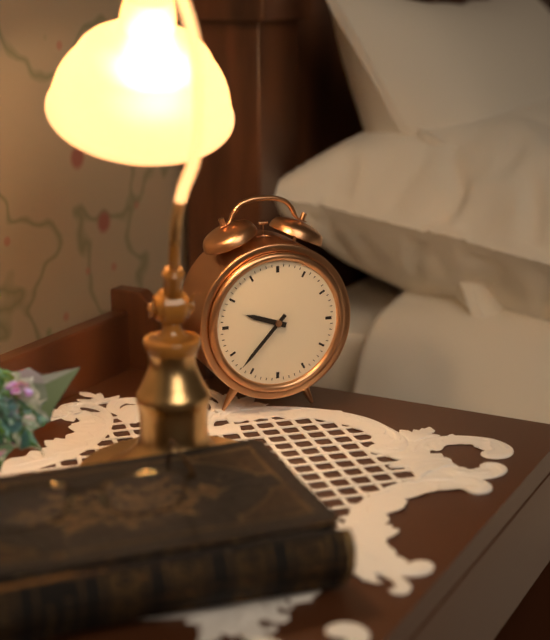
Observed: **9:37**
